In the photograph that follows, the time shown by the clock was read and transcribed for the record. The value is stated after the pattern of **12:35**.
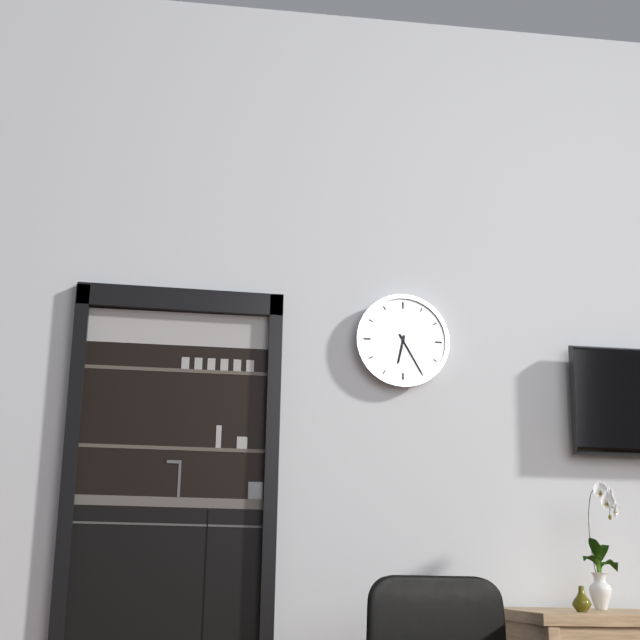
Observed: **6:25**
